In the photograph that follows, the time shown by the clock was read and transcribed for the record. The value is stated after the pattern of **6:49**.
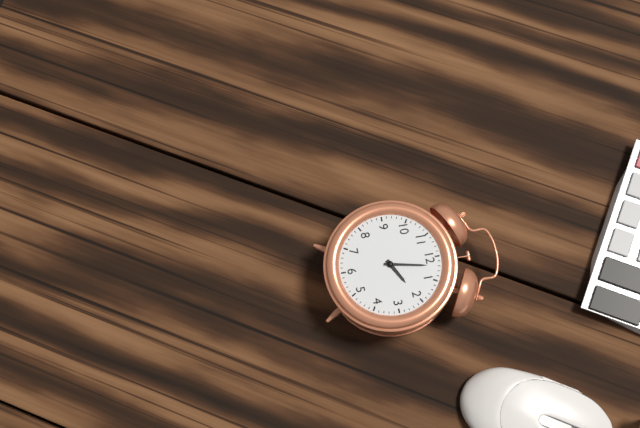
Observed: **2:02**
